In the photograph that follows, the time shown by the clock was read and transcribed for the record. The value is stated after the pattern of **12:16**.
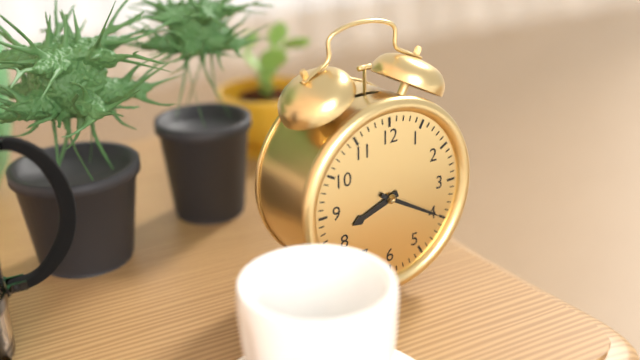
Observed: **8:20**
